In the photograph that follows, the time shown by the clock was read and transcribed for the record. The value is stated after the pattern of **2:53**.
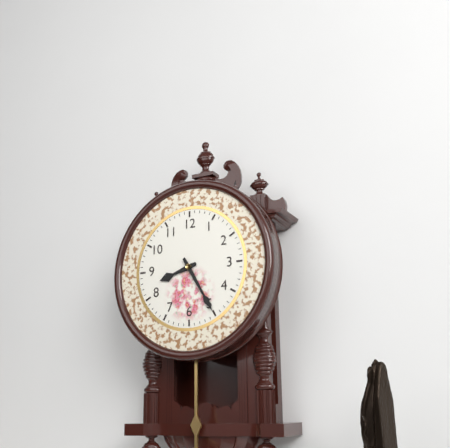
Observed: **8:25**
